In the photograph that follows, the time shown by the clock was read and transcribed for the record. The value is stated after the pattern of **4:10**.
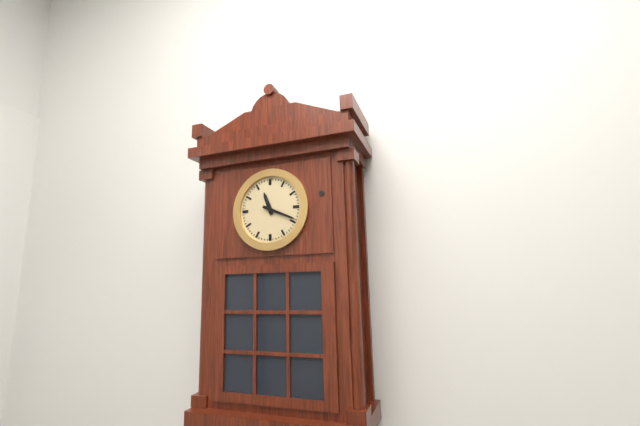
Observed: **11:19**
